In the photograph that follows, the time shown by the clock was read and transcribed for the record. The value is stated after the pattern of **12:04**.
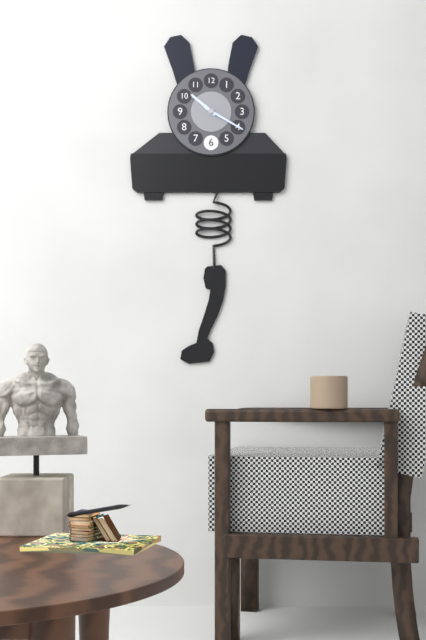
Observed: **10:20**
